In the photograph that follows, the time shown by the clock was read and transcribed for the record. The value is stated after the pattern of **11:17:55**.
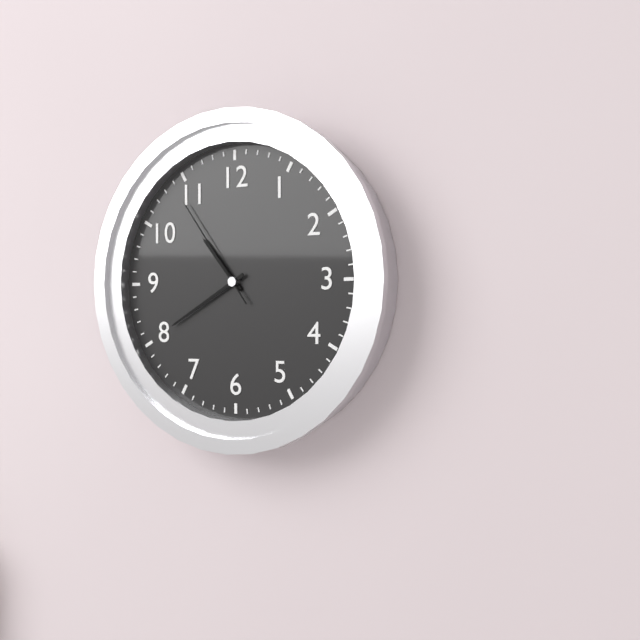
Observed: **10:40:54**
